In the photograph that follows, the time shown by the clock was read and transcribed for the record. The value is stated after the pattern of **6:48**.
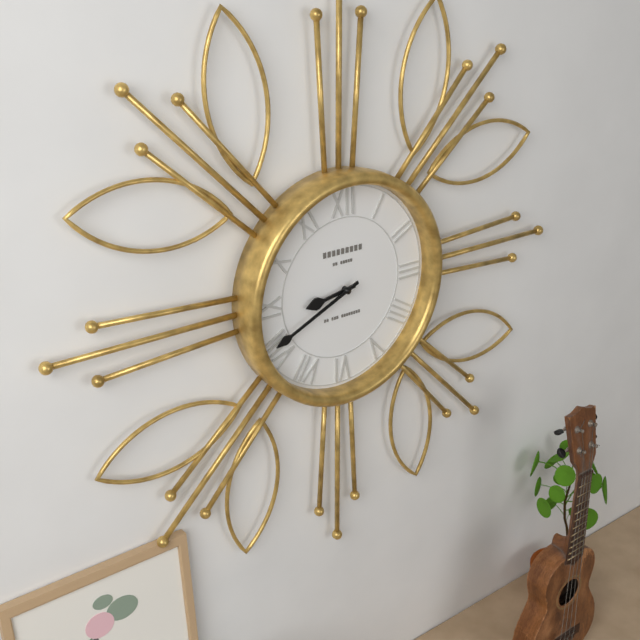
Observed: **8:41**
